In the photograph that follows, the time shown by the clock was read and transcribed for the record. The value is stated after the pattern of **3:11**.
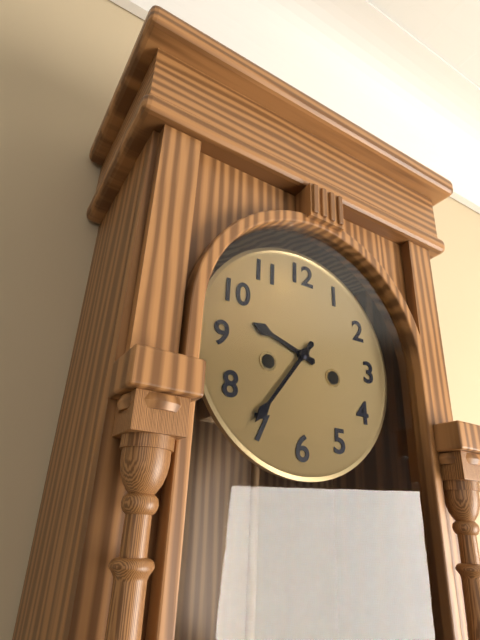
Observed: **9:36**
